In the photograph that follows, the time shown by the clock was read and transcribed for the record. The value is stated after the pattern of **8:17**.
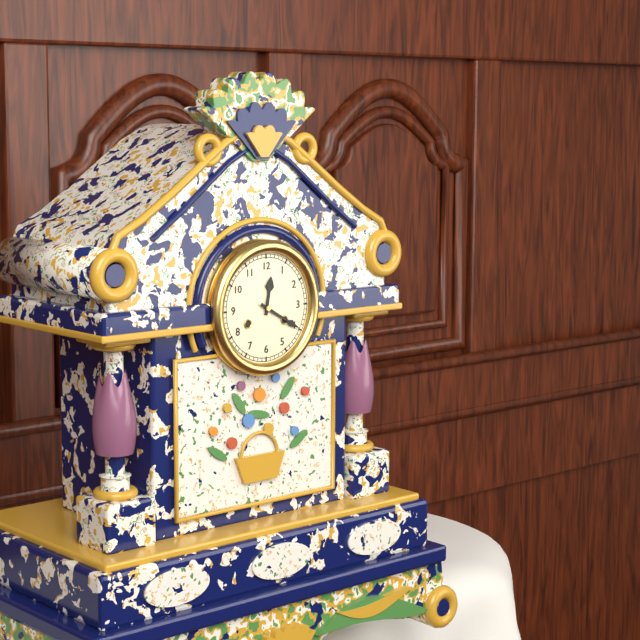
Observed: **12:20**
